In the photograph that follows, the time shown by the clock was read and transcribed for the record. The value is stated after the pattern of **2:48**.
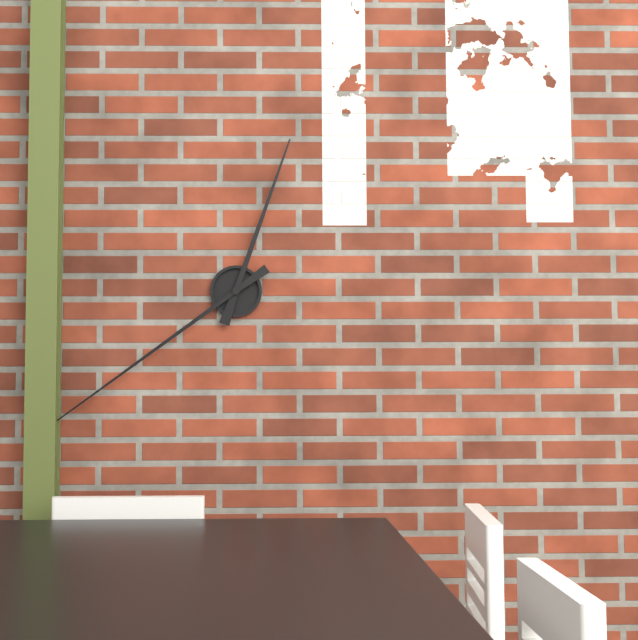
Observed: **12:39**
